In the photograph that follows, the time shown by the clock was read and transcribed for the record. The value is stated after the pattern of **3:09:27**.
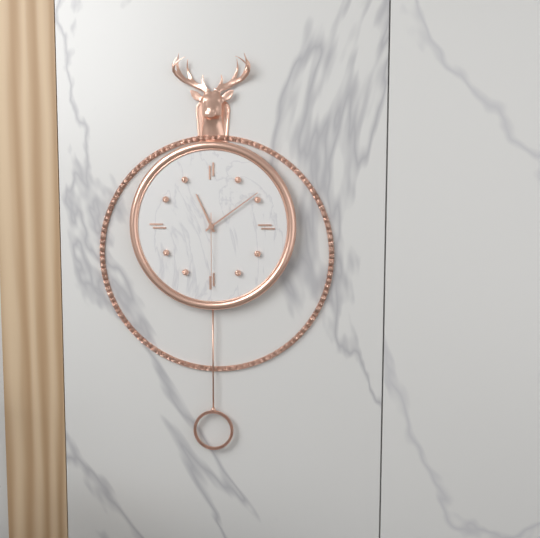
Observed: **11:09:30**
